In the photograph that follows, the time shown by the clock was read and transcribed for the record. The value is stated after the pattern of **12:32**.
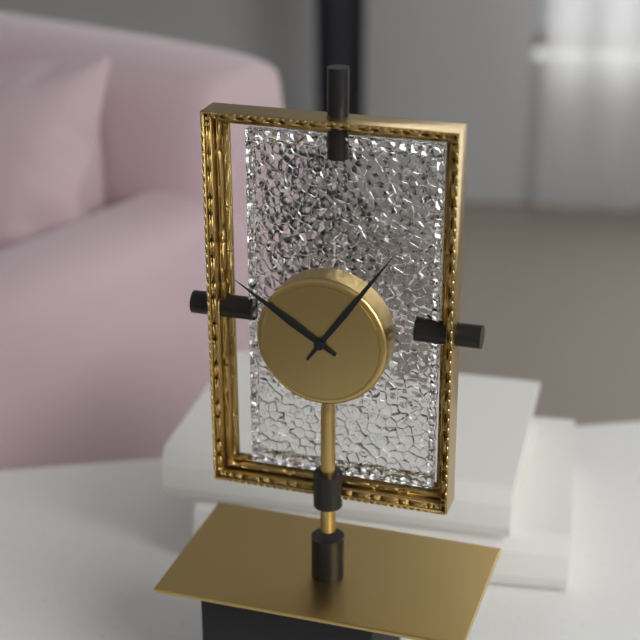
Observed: **10:06**
